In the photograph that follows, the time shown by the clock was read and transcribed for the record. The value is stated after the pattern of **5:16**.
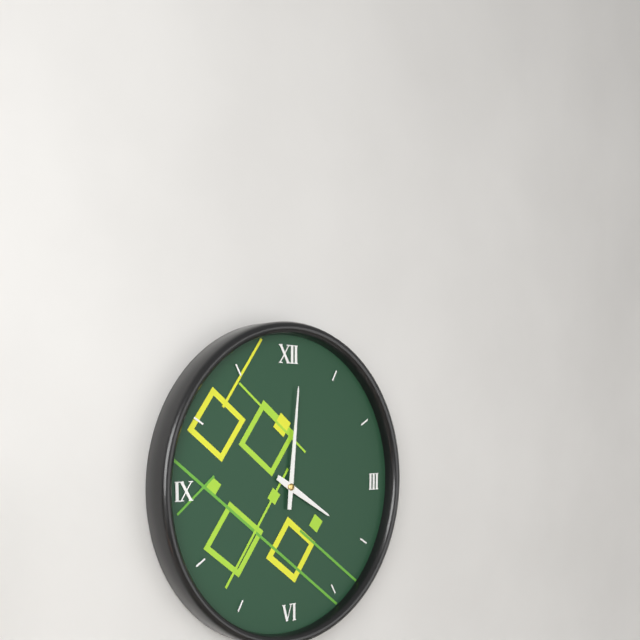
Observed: **4:01**
